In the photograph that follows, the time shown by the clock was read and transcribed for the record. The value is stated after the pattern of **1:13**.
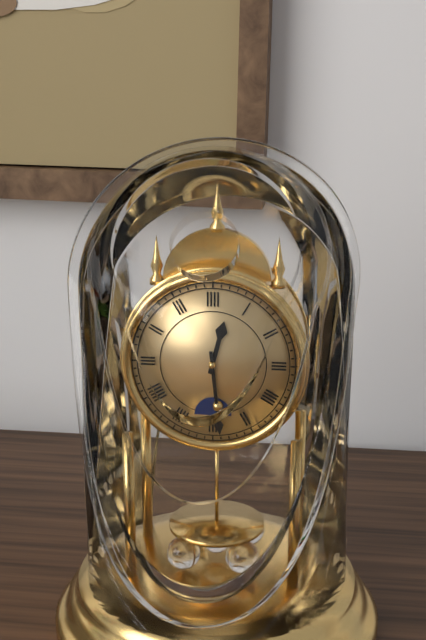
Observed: **12:29**
